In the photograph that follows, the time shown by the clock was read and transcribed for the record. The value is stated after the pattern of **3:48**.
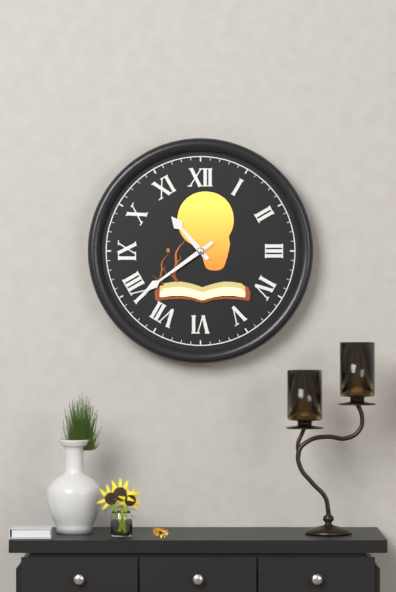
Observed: **10:39**
